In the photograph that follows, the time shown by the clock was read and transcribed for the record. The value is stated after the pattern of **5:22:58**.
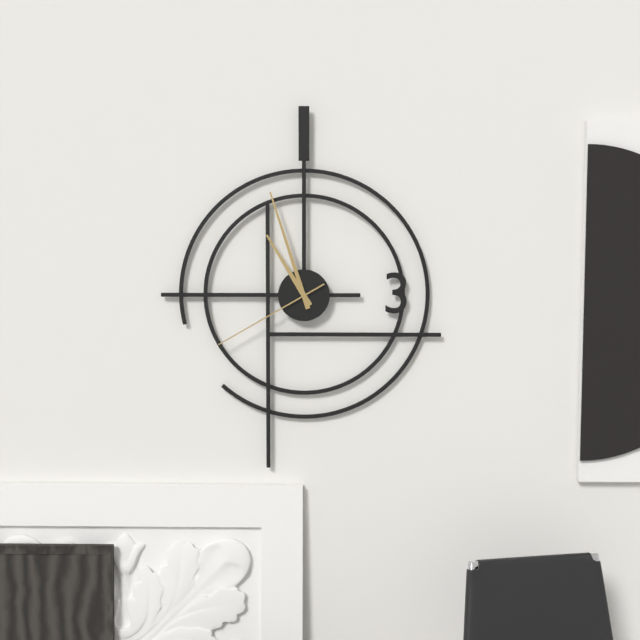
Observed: **10:57:40**
